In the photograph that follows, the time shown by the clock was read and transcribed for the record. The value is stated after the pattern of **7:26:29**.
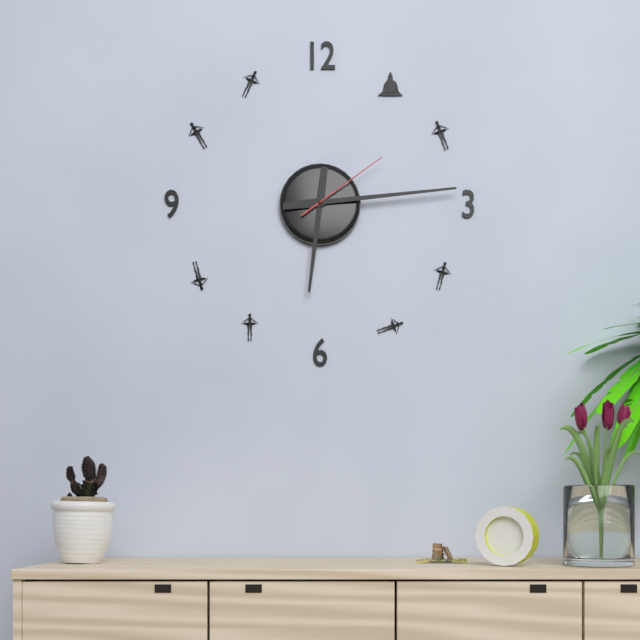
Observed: **6:14:09**
